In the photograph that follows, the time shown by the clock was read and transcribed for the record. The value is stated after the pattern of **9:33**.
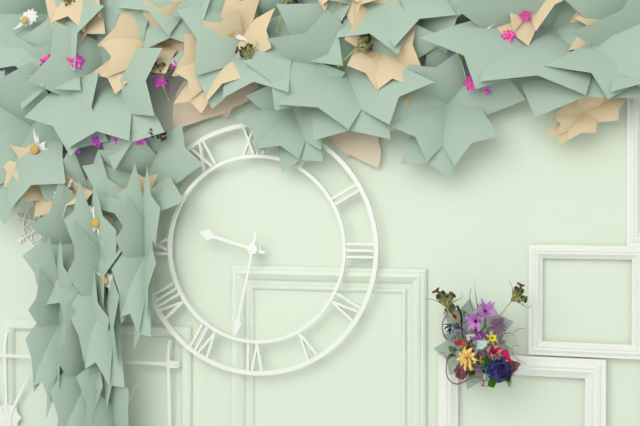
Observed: **9:32**
